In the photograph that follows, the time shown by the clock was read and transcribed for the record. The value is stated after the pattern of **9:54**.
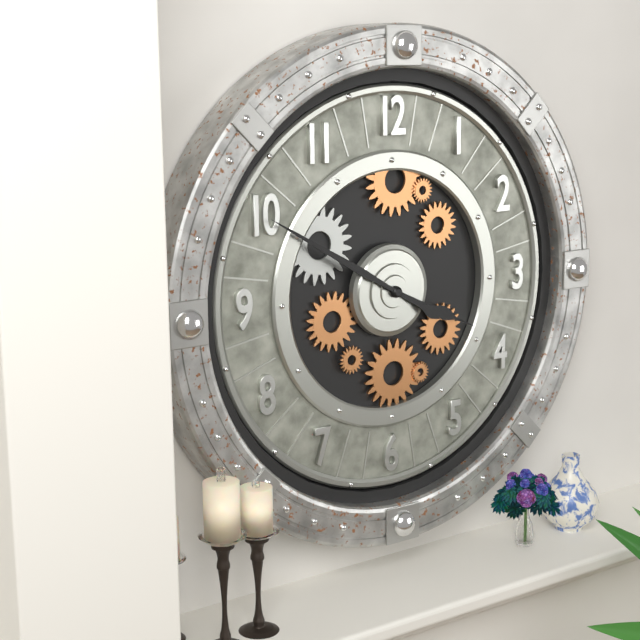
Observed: **3:50**
